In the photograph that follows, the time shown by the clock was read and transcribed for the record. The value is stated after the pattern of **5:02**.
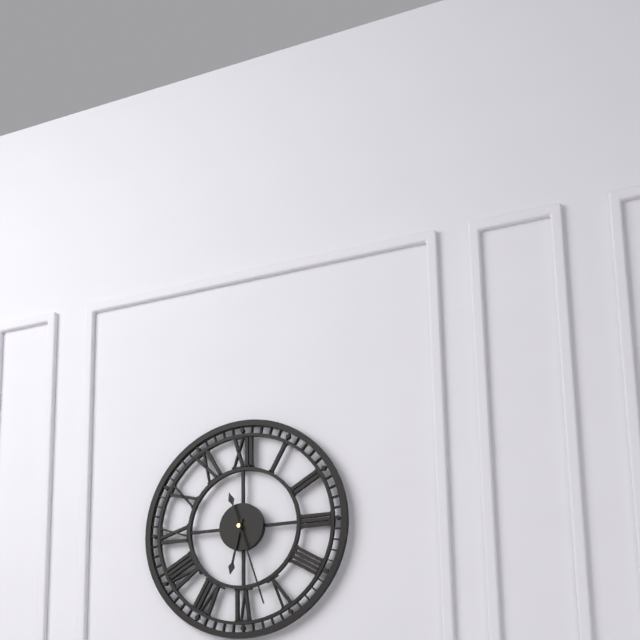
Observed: **6:27**
